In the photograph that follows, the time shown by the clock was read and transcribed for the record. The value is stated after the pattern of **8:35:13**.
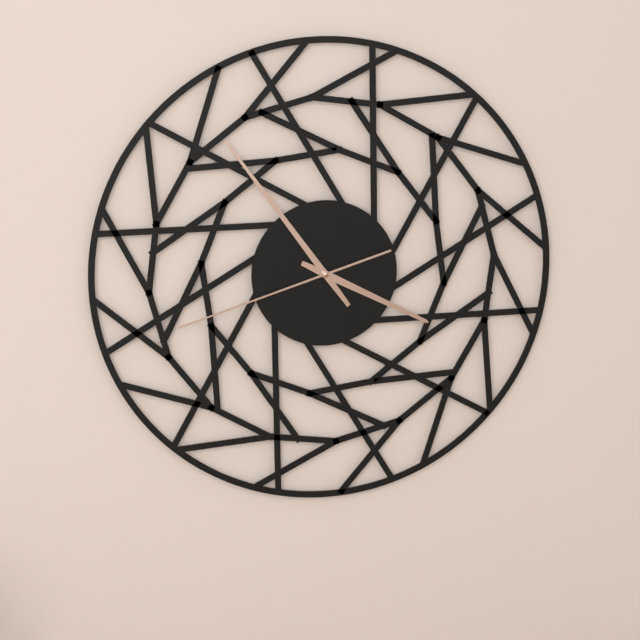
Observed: **3:54:42**
